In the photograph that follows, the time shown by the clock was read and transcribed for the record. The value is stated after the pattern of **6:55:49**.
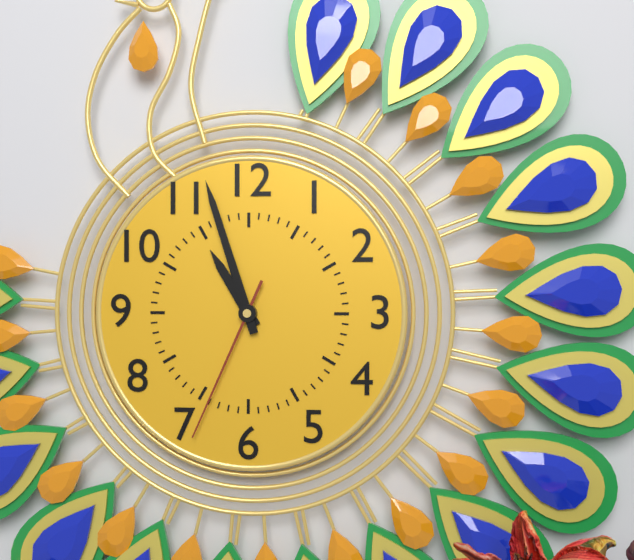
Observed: **10:57:34**
